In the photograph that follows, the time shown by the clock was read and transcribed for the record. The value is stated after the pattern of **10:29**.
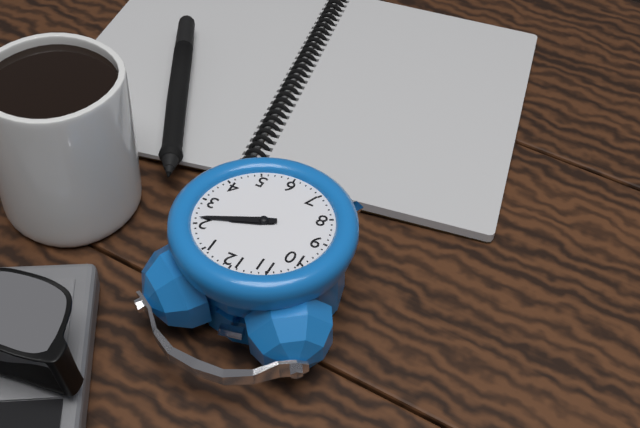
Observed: **2:11**
